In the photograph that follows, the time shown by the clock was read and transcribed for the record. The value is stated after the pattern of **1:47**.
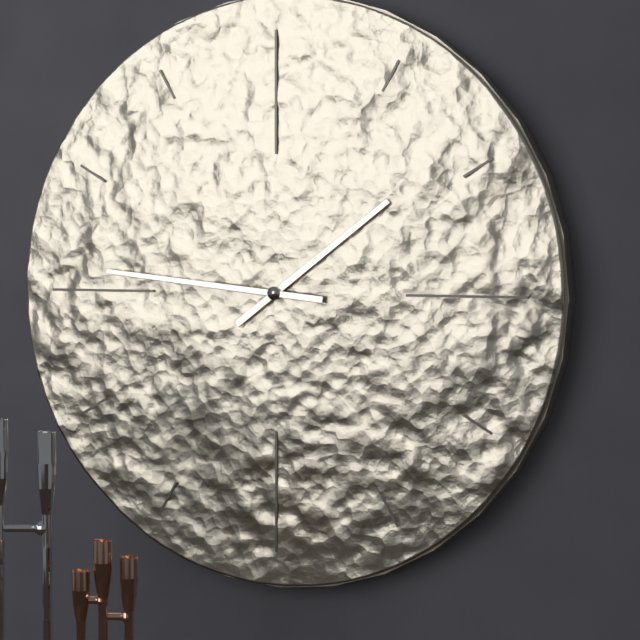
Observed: **1:46**
